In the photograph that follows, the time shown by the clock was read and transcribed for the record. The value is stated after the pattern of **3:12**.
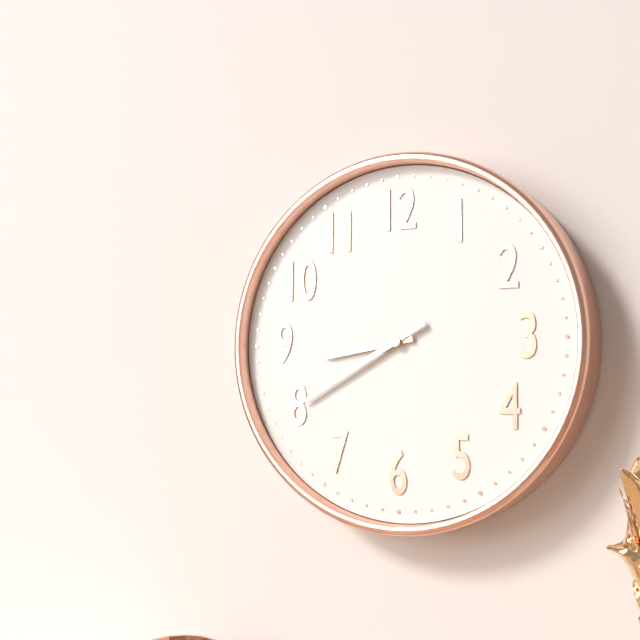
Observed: **8:40**
